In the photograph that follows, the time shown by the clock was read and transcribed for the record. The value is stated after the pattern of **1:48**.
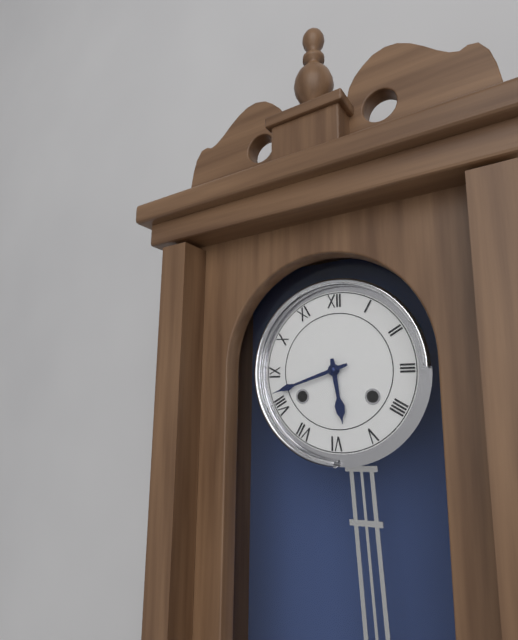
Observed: **5:42**
